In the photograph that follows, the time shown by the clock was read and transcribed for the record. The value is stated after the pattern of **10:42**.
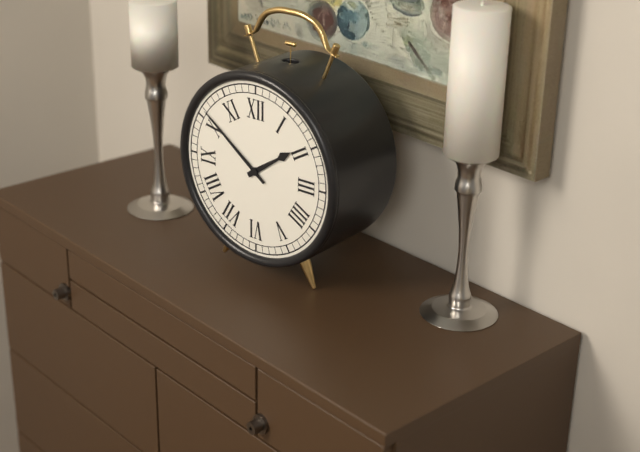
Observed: **1:51**
